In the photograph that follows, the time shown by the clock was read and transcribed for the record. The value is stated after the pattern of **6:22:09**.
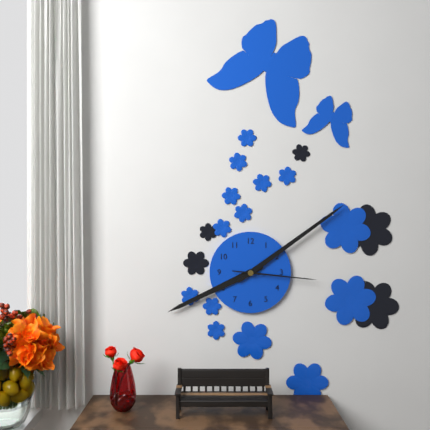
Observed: **8:09:16**
